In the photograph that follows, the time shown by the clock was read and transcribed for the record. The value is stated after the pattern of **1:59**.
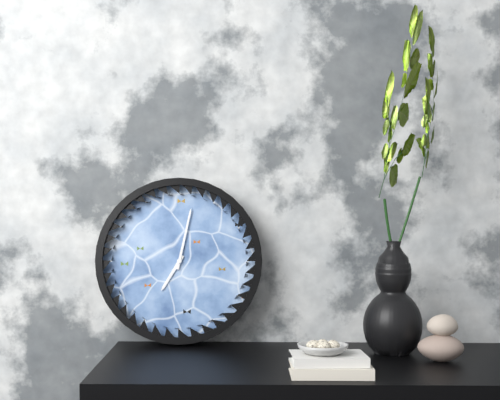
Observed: **7:02**
